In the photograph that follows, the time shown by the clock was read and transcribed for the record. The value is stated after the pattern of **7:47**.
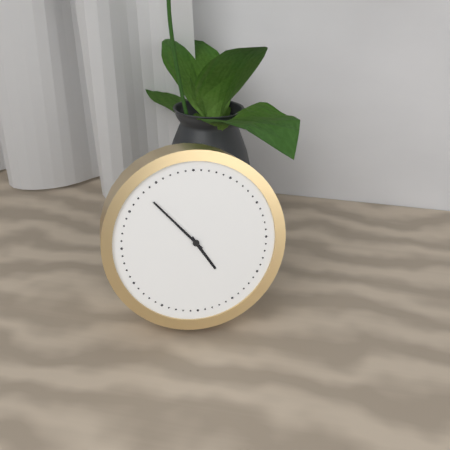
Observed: **4:53**
